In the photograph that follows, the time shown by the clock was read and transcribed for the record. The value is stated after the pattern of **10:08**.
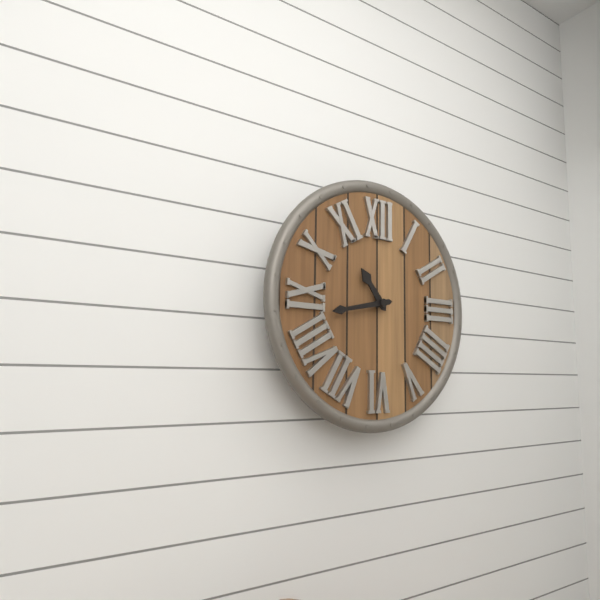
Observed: **10:43**
